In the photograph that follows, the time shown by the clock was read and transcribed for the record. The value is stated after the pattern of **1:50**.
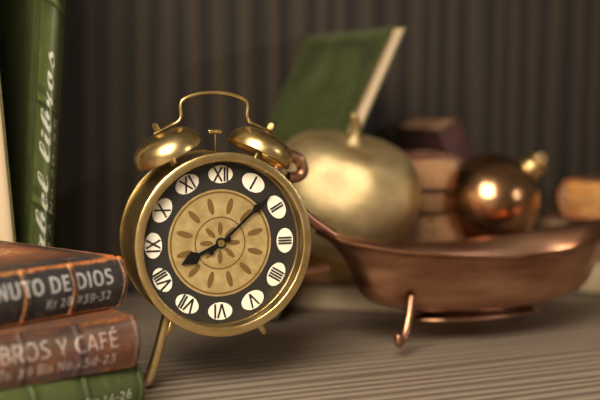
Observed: **8:08**
